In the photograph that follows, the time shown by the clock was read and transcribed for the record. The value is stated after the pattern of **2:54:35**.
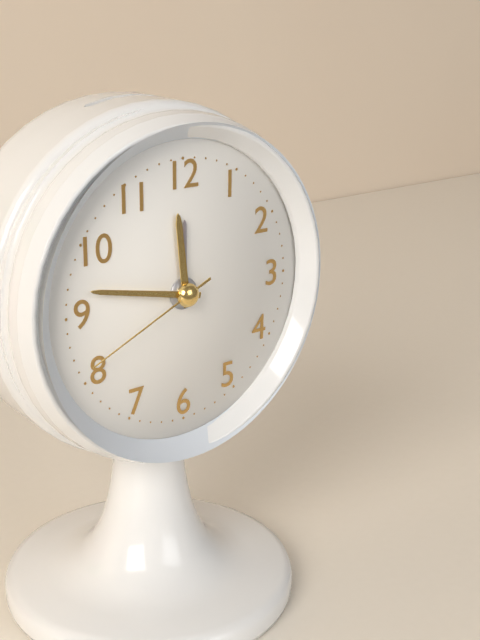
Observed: **11:47:41**
